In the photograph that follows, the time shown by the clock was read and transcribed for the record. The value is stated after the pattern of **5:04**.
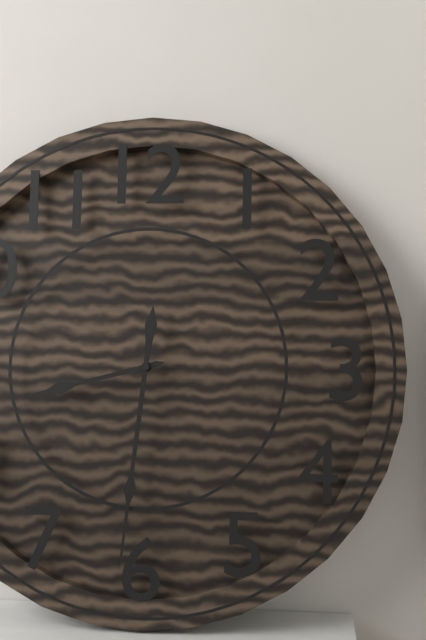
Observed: **8:31**
